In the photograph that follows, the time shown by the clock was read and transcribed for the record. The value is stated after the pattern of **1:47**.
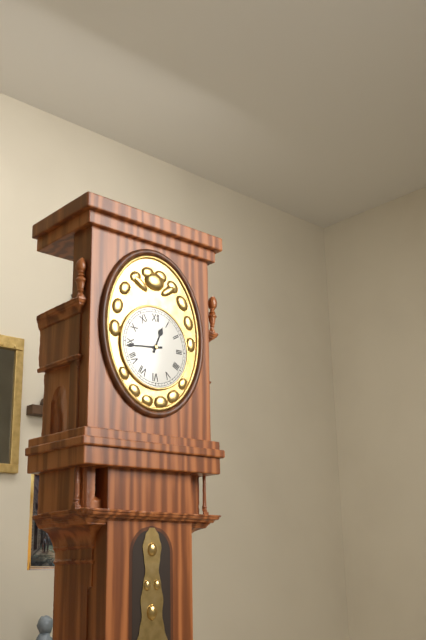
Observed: **12:44**
